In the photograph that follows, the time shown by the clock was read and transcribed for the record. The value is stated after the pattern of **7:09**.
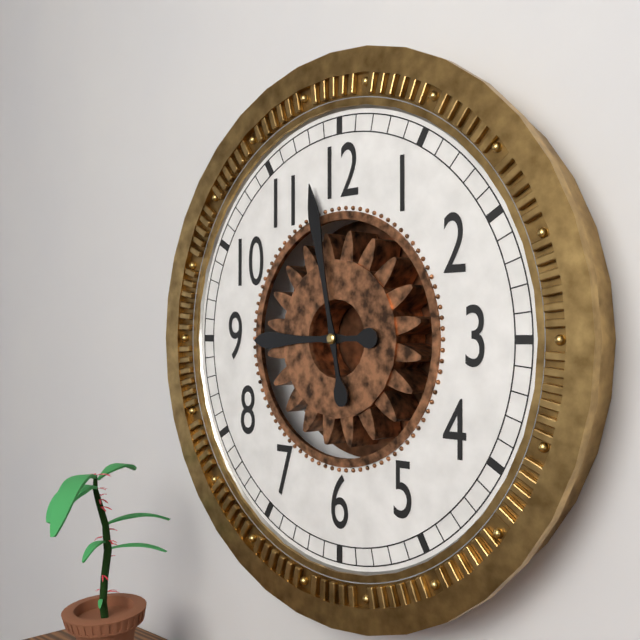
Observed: **8:58**
